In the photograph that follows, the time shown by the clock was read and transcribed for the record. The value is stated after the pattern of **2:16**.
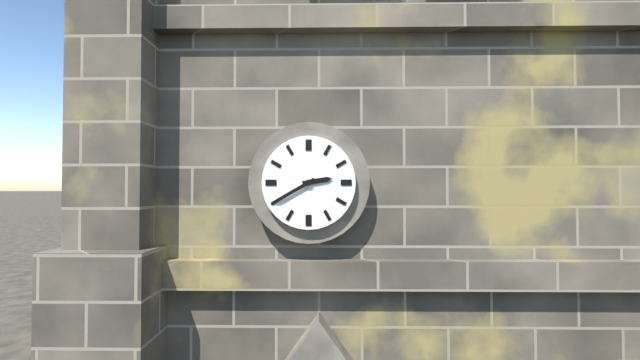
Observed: **2:40**
